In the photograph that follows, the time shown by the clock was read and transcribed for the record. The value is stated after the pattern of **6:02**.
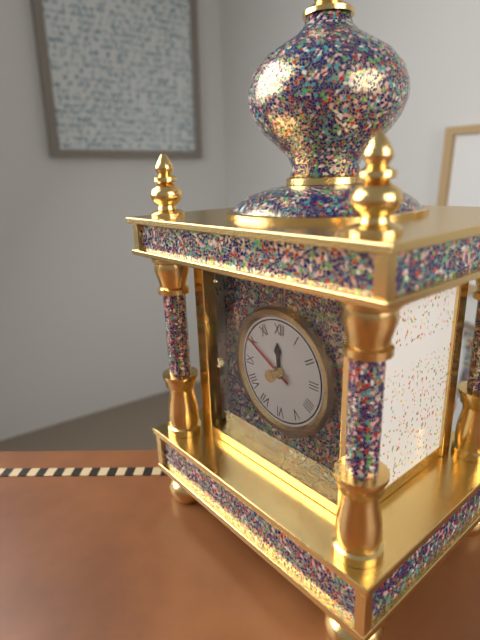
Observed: **11:50**
